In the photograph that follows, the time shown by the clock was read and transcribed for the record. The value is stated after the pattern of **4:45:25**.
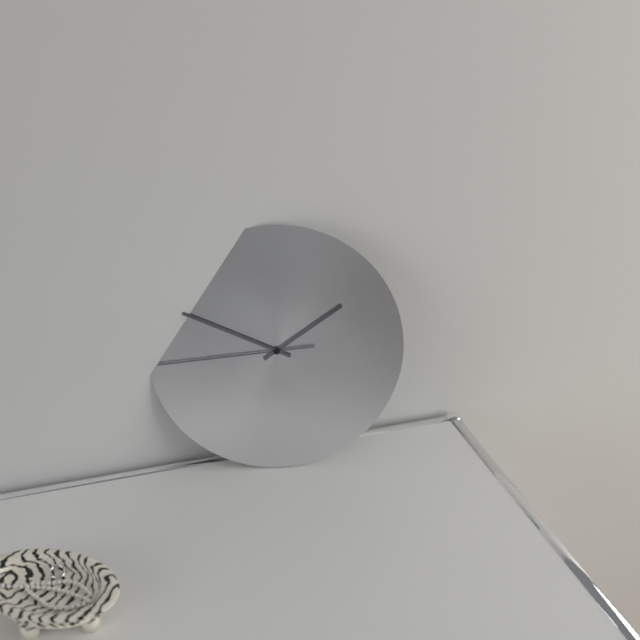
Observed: **1:49:44**
